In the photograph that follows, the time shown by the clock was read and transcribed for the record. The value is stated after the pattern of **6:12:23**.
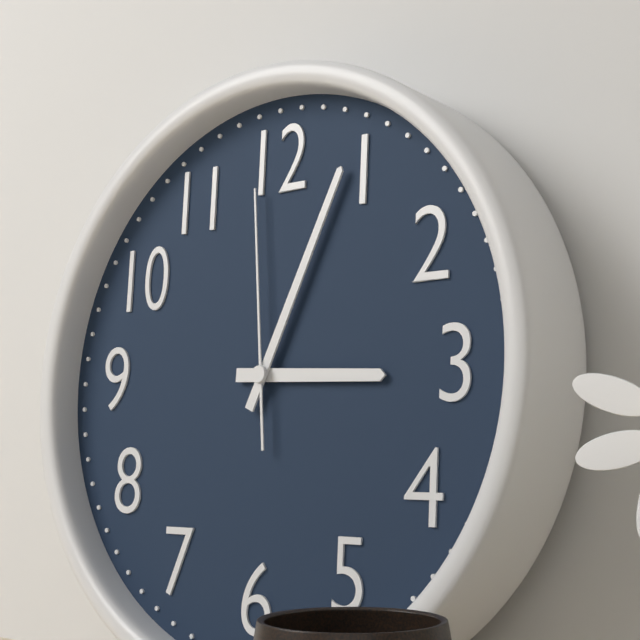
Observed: **3:04:59**
